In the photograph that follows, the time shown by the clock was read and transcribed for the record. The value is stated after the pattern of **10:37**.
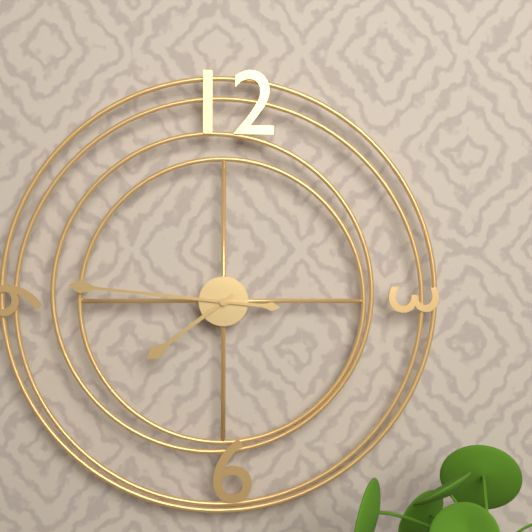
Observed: **7:46**
